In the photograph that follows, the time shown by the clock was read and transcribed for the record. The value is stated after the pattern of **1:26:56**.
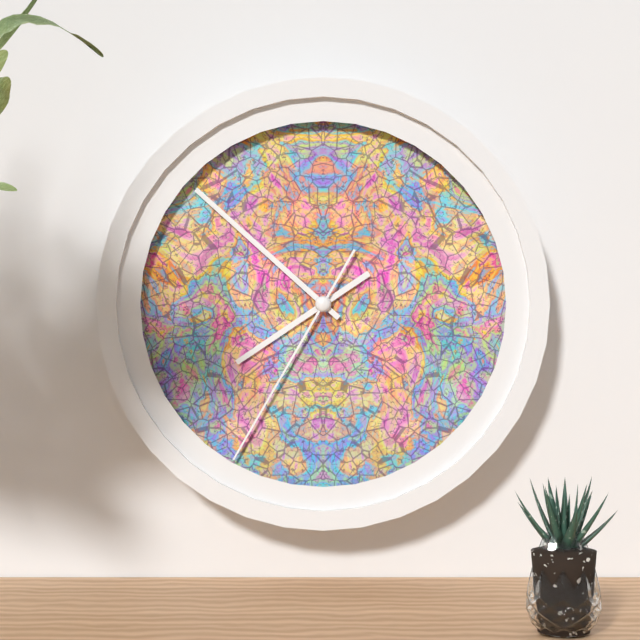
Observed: **7:52:35**
